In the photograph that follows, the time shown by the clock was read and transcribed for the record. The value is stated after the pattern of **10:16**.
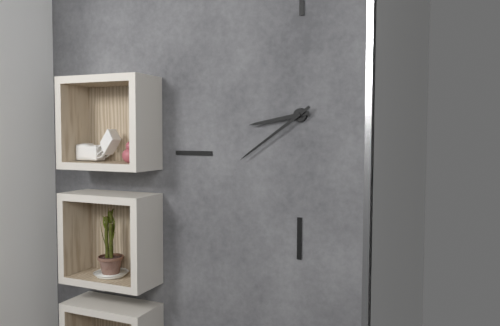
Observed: **8:39**
